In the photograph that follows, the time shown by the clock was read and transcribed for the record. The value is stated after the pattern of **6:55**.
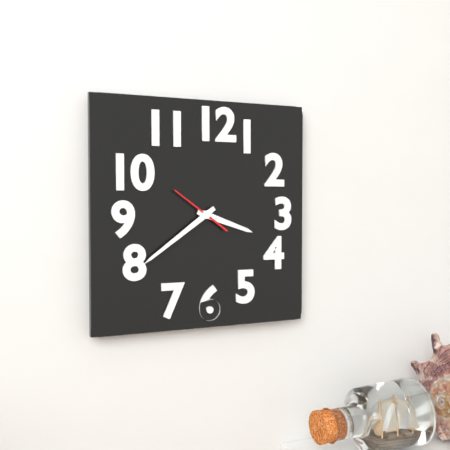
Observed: **3:39**
